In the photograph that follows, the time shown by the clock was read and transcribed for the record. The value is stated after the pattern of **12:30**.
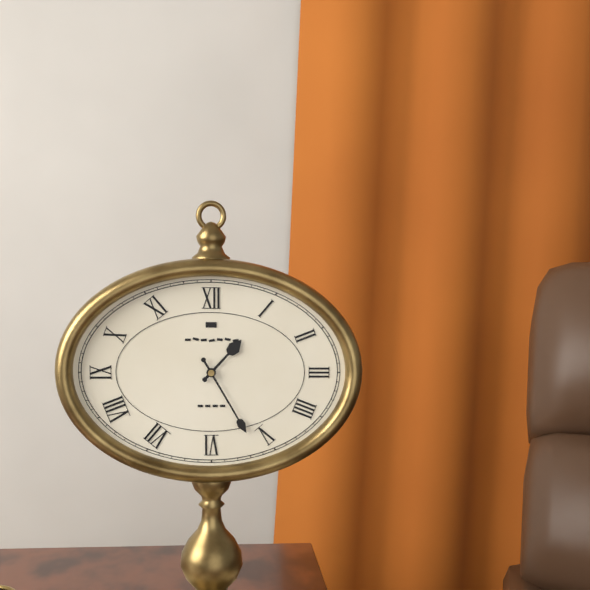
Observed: **1:25**
